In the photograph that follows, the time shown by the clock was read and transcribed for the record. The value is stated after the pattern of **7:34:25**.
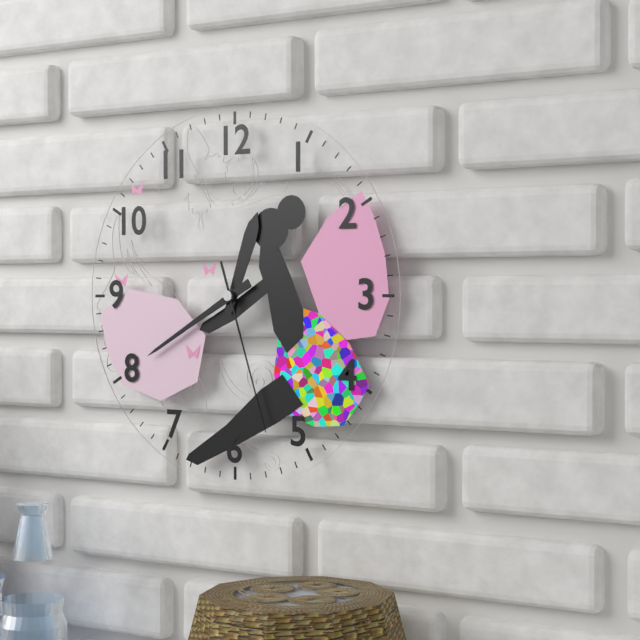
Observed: **12:40:27**
